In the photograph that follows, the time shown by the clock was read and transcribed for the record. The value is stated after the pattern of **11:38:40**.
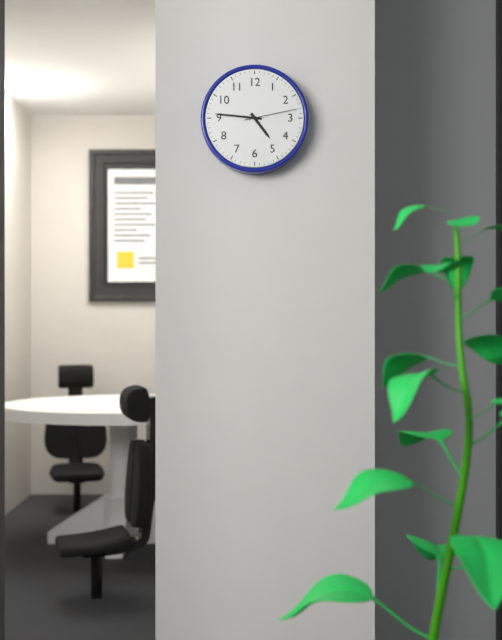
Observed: **4:46:13**
